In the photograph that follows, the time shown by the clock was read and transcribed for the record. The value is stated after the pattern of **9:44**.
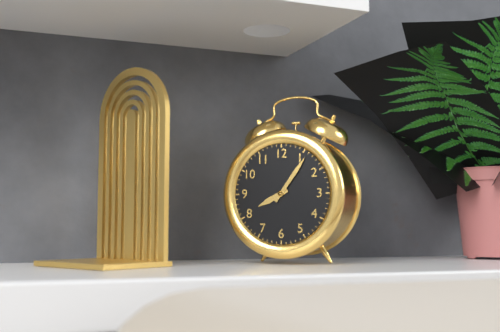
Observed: **8:06**
